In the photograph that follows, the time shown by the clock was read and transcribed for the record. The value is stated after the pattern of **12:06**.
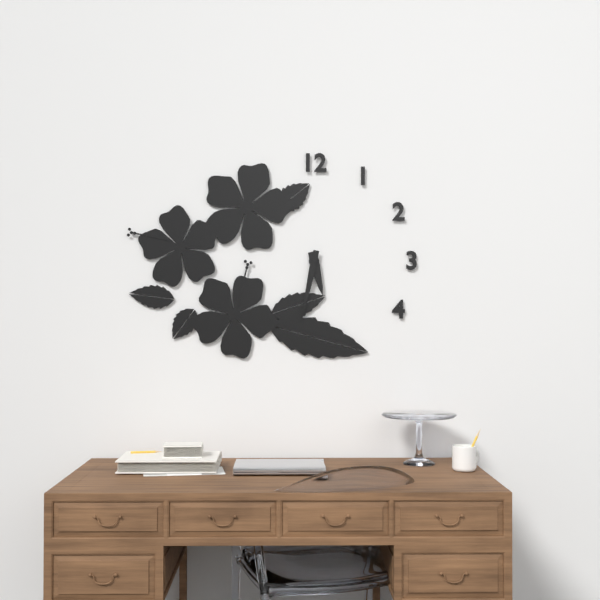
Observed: **5:32**
